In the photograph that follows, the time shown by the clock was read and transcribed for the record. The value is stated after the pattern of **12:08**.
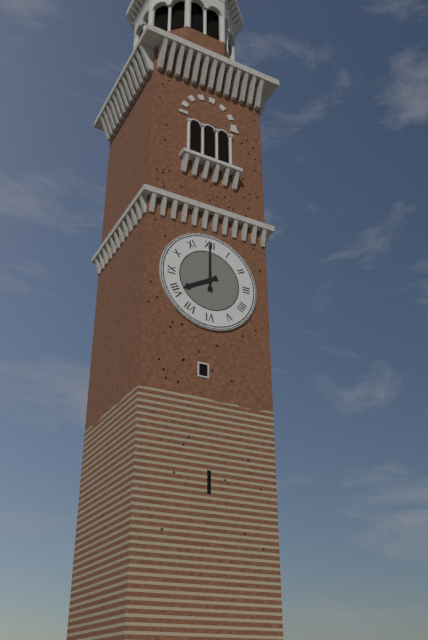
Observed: **8:00**
